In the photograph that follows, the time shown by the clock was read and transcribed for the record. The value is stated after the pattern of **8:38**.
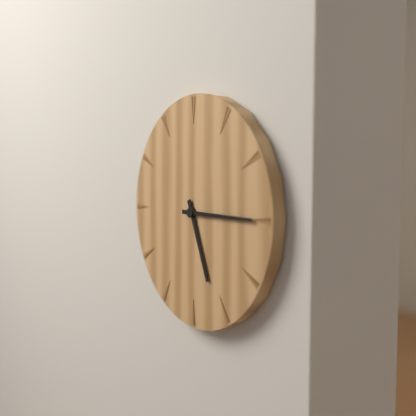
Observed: **5:15**
